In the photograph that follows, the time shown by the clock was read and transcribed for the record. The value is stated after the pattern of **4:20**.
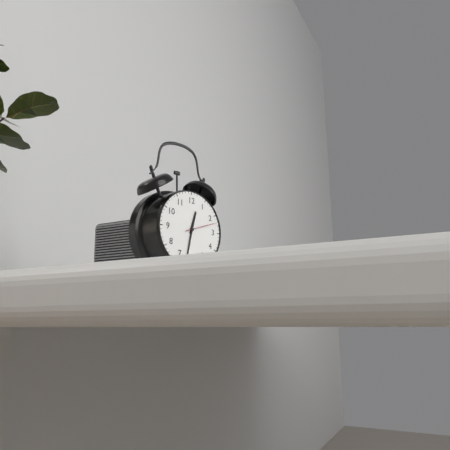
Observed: **12:32**
